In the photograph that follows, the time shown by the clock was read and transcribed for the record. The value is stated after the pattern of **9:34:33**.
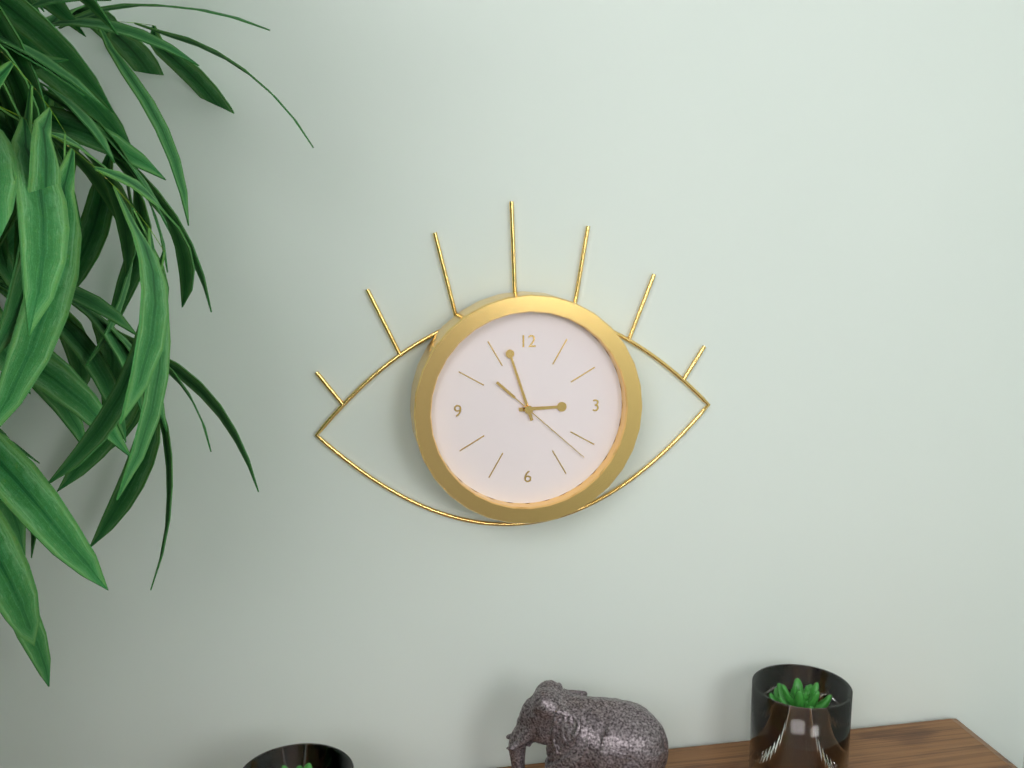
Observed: **2:57:22**
